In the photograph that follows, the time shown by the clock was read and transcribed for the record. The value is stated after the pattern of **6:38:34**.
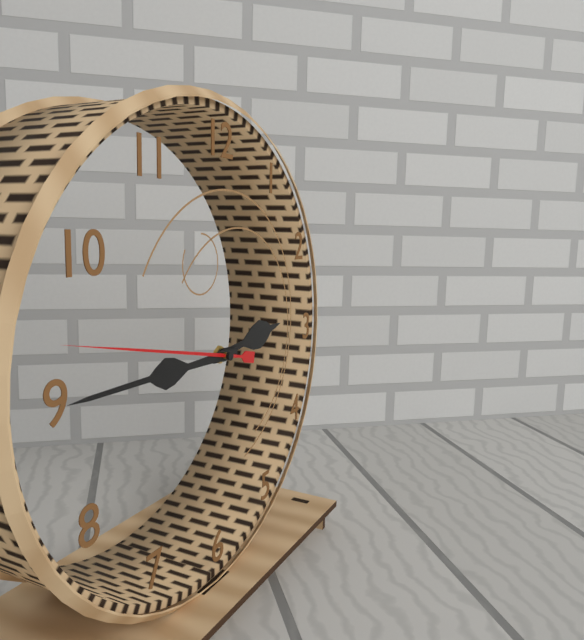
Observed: **2:45:47**
